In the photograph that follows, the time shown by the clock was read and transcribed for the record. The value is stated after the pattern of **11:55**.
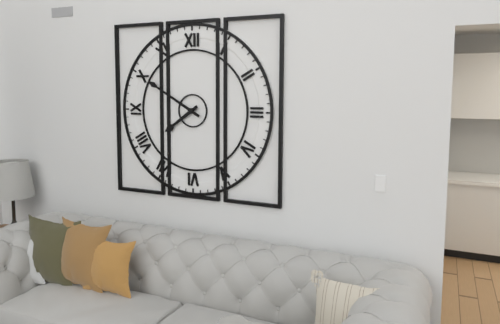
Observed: **7:50**
